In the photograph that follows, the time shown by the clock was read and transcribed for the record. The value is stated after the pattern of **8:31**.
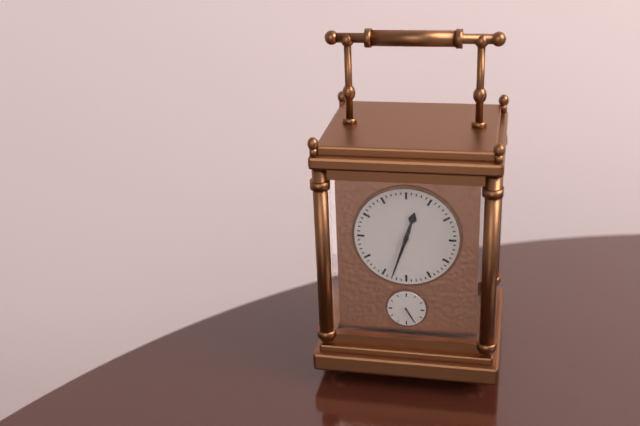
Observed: **12:33**
